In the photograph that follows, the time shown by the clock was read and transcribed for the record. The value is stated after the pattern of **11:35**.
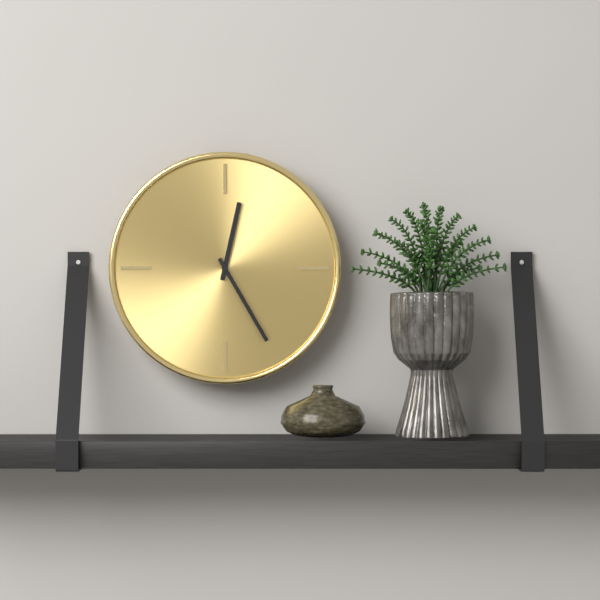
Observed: **12:25**
